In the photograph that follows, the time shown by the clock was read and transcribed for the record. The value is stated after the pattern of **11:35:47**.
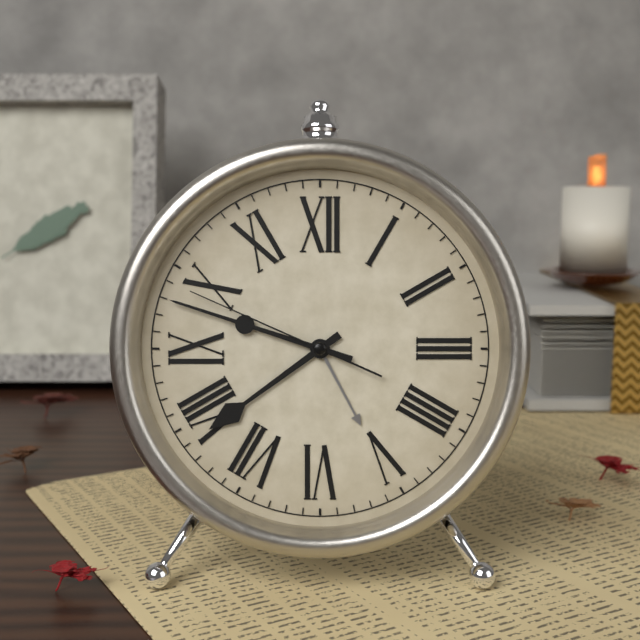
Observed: **7:48:49**
